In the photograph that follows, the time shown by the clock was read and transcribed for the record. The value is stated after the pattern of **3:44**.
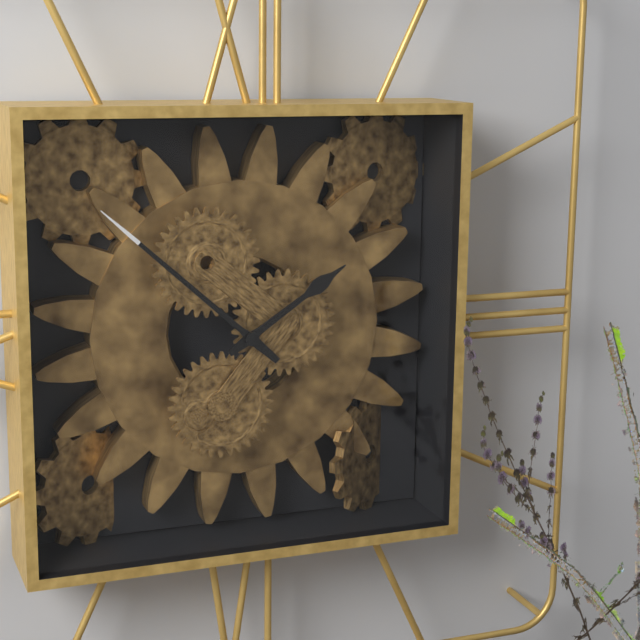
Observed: **1:52**
